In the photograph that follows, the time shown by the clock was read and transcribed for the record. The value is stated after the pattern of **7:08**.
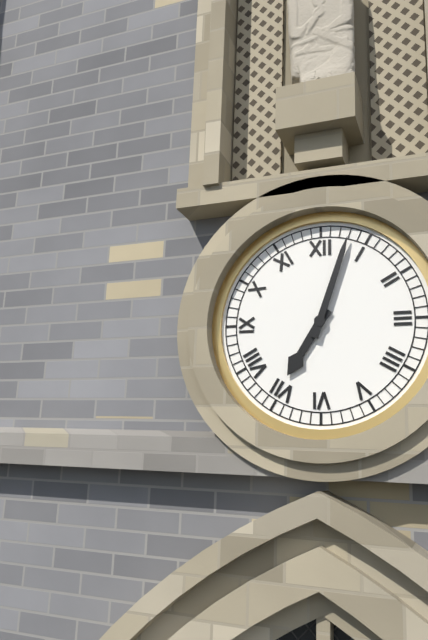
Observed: **7:03**
